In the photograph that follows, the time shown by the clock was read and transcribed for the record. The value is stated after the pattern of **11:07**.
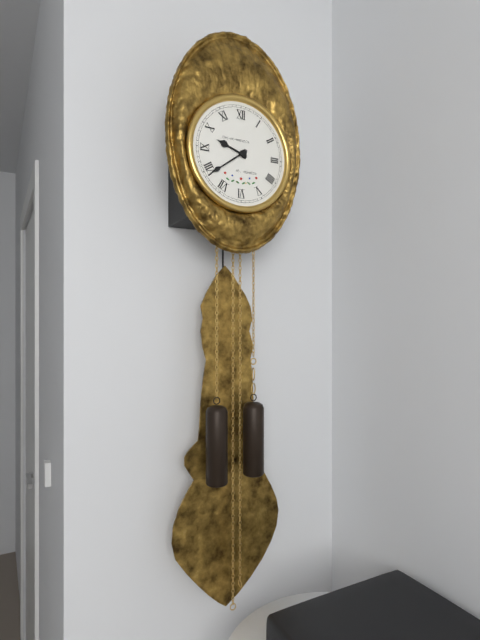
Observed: **9:39**
